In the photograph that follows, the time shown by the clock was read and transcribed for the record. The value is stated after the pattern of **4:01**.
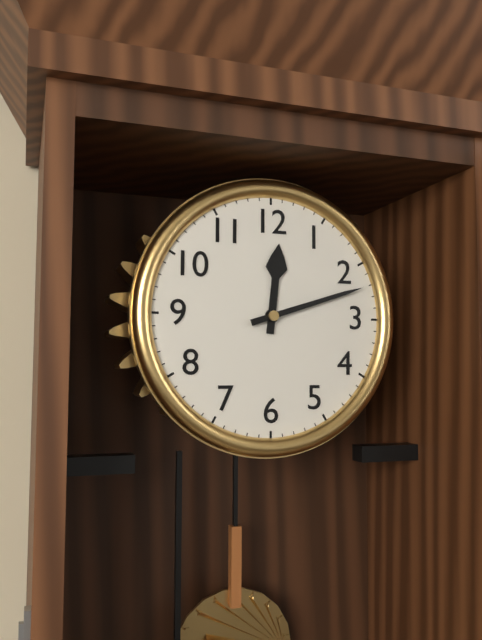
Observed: **12:12**
